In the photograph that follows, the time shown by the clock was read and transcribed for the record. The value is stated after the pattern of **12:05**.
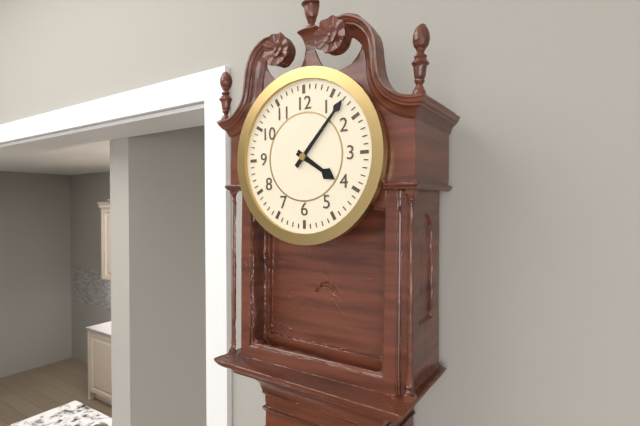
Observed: **4:07**
